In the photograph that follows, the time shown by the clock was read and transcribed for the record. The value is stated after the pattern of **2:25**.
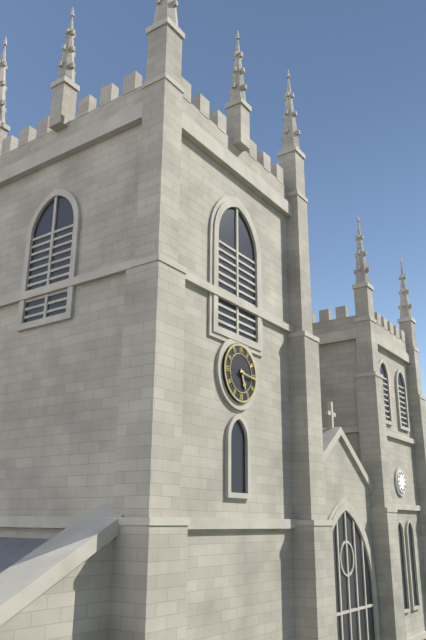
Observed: **5:16**
